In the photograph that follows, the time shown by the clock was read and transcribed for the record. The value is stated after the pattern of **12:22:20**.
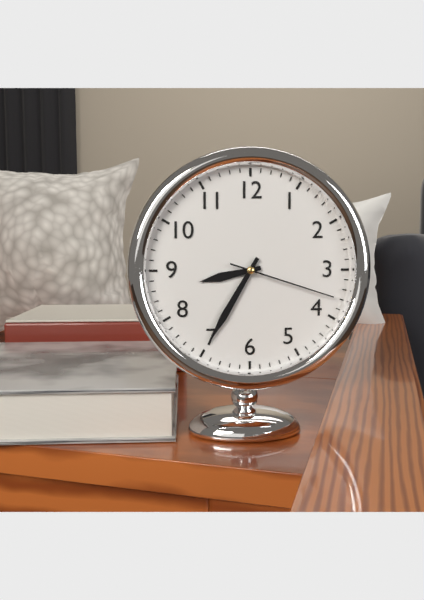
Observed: **8:35:18**
